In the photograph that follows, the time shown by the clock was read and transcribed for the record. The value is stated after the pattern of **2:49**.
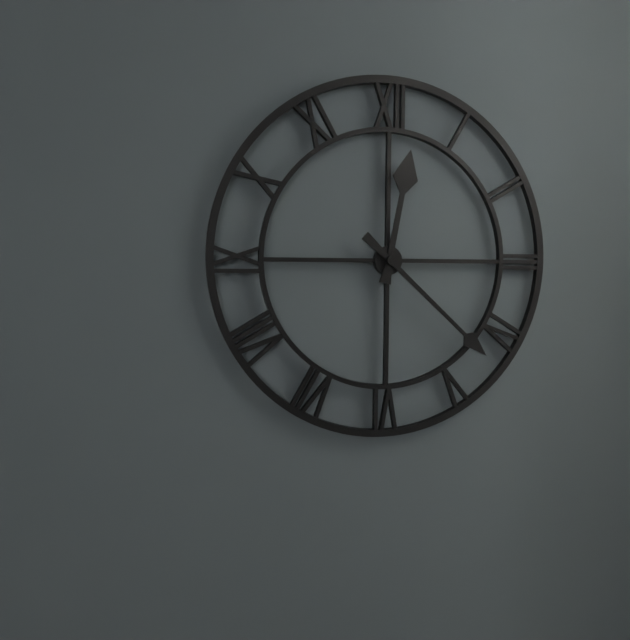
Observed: **12:22**
